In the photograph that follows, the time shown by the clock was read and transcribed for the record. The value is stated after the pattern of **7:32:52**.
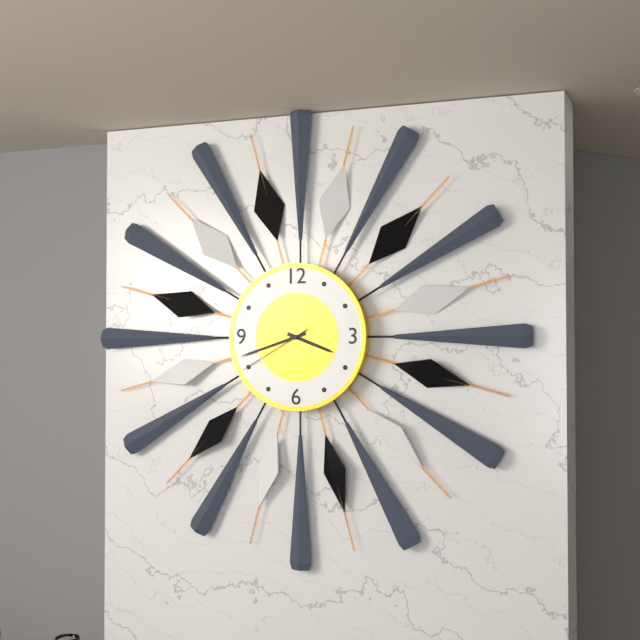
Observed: **3:42:40**
